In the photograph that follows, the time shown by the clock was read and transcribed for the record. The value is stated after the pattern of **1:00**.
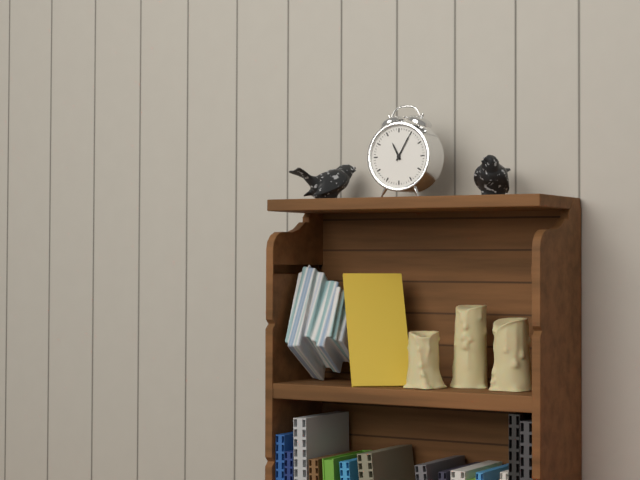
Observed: **11:05**
